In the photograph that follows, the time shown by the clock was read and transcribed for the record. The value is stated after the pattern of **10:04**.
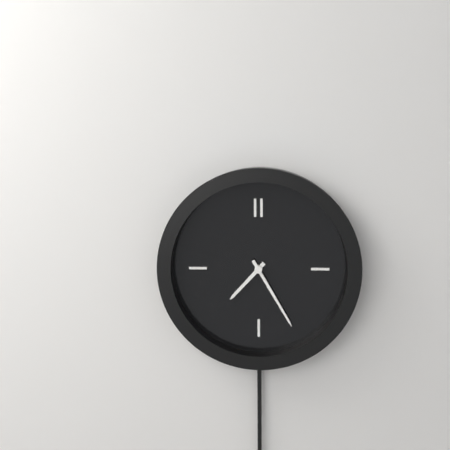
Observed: **7:25**
